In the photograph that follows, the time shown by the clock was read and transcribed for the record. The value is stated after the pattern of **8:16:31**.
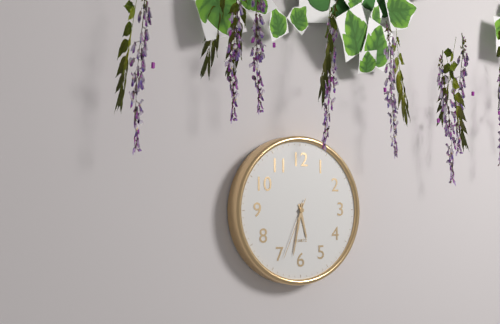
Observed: **5:32:34**
